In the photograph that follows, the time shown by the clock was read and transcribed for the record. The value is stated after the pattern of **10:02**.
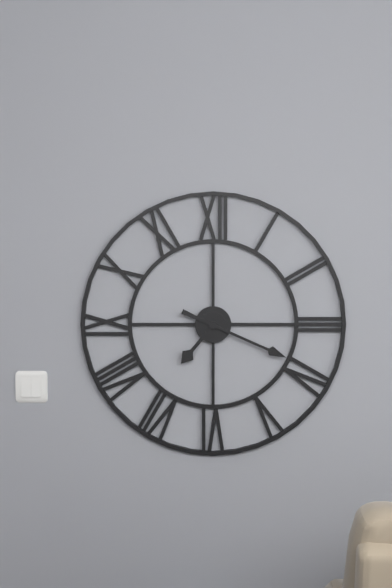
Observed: **7:19**
